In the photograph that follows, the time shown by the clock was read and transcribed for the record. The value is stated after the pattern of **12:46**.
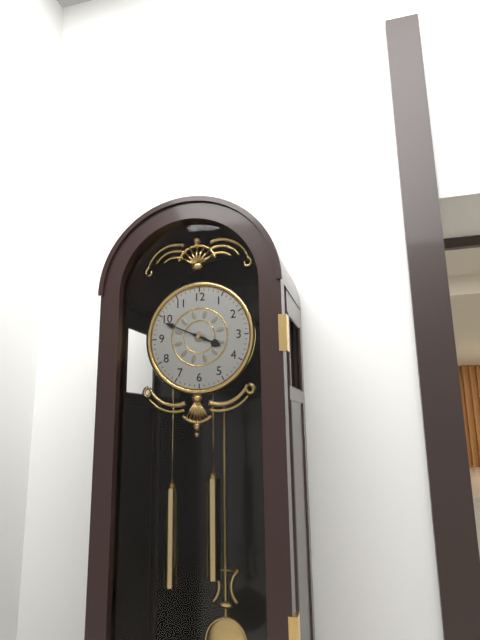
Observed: **3:49**
